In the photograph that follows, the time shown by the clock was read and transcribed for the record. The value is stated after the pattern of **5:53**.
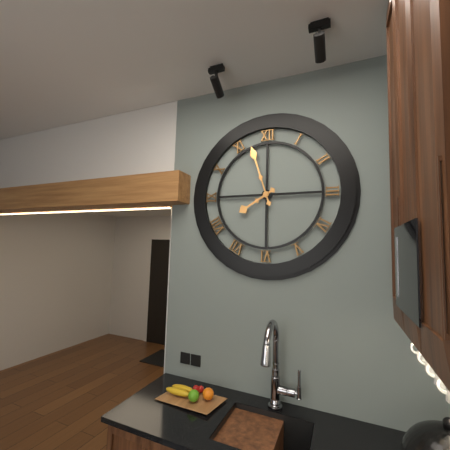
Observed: **7:57**
